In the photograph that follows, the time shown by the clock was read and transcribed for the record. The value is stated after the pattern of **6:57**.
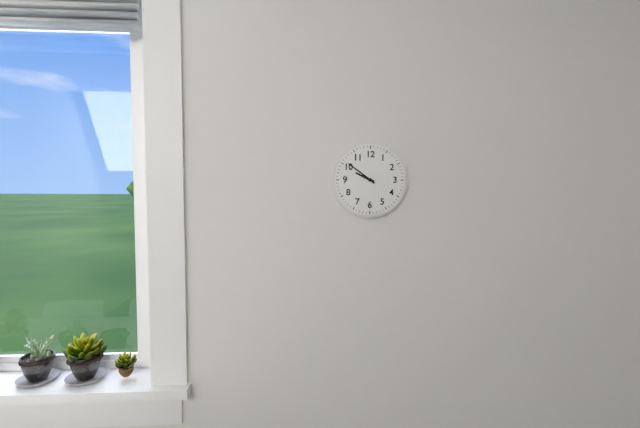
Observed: **9:51**
